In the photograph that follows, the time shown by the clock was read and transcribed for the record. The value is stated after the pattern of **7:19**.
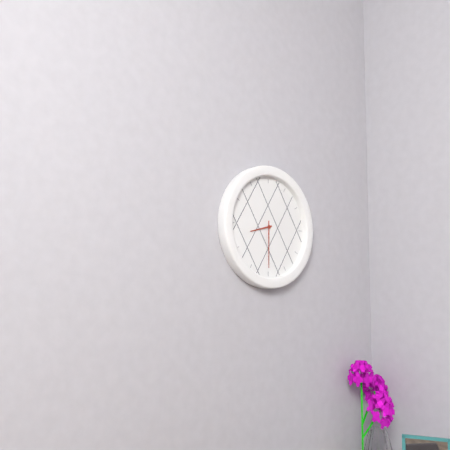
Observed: **8:30**
